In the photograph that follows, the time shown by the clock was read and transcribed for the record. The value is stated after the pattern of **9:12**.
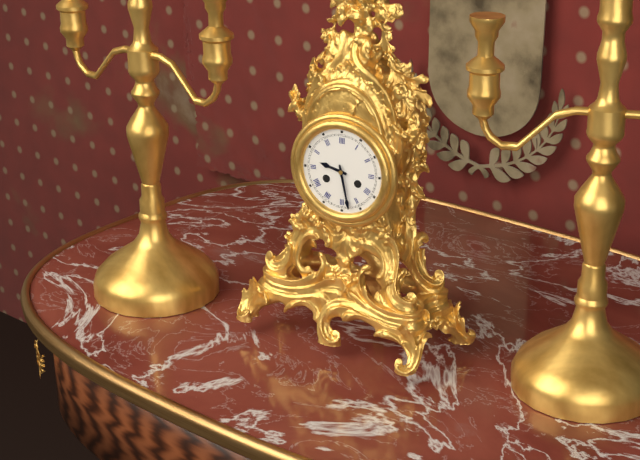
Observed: **9:28**
